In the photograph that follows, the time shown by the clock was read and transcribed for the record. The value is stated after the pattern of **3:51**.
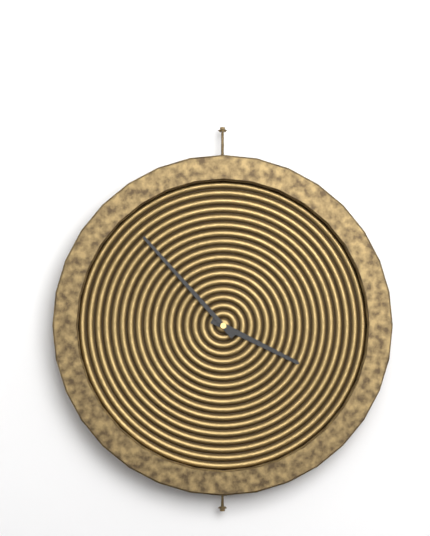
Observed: **3:53**
